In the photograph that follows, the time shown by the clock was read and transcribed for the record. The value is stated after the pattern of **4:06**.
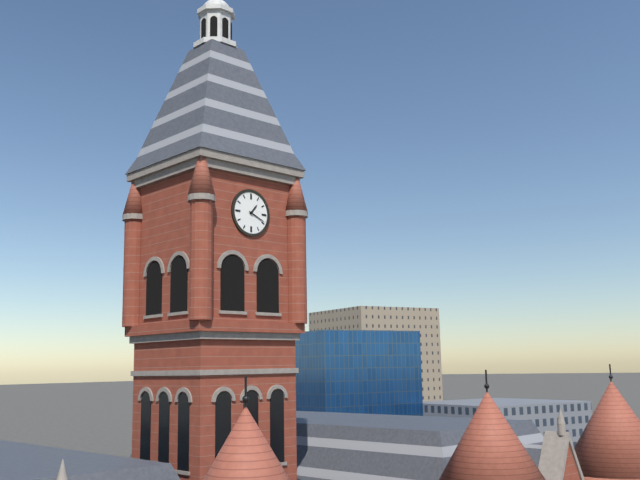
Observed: **1:19**
